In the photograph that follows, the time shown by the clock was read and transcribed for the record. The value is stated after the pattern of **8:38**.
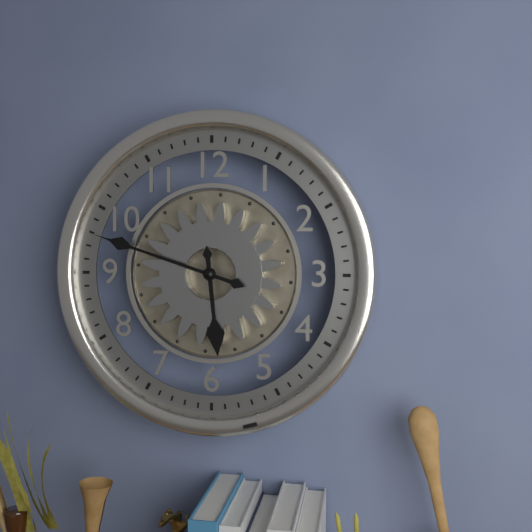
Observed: **5:48**
